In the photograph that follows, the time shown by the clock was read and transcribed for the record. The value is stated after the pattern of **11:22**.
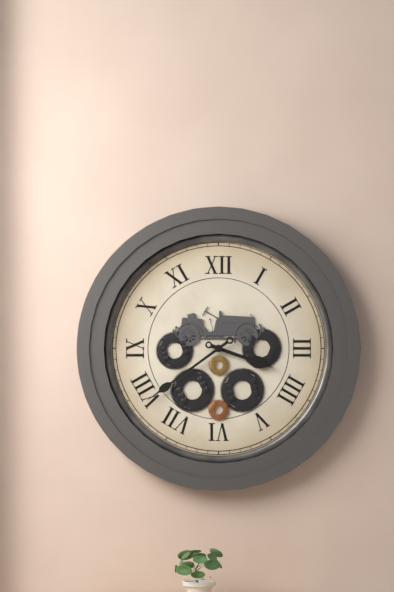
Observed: **3:39**
